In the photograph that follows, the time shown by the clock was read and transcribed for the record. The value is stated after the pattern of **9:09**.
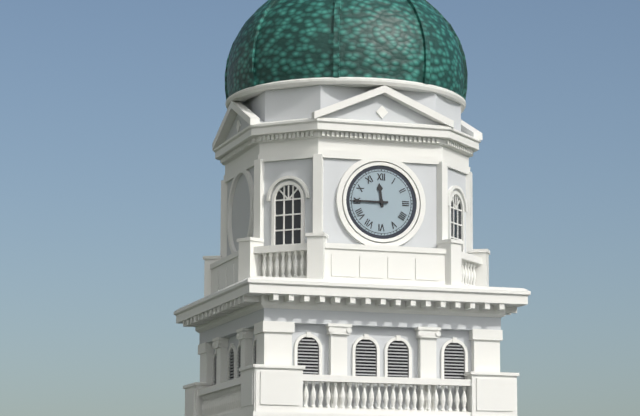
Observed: **11:45**
